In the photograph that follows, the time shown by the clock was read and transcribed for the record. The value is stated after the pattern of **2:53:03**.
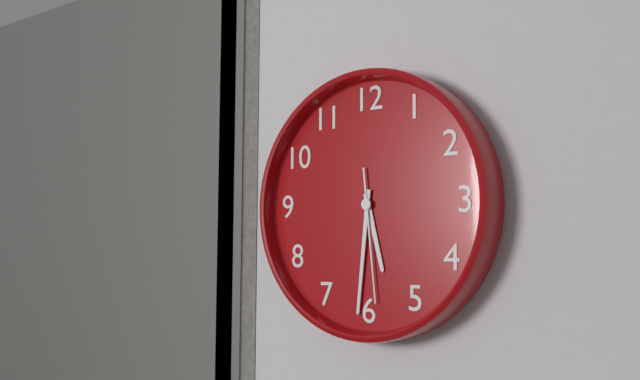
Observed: **5:31:29**
